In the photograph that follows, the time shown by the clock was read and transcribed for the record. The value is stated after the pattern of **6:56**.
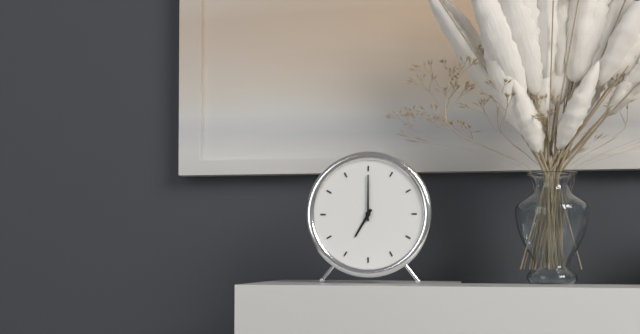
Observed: **7:00**
